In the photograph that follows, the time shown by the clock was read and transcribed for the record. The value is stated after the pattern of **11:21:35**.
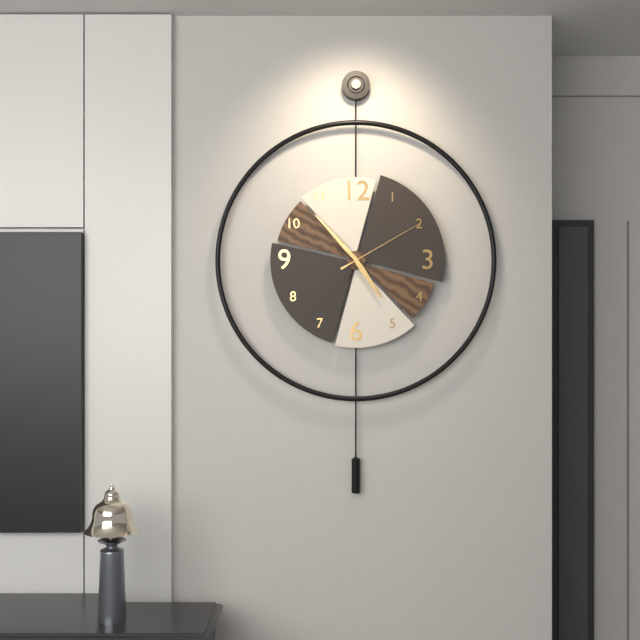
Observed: **4:53:10**
